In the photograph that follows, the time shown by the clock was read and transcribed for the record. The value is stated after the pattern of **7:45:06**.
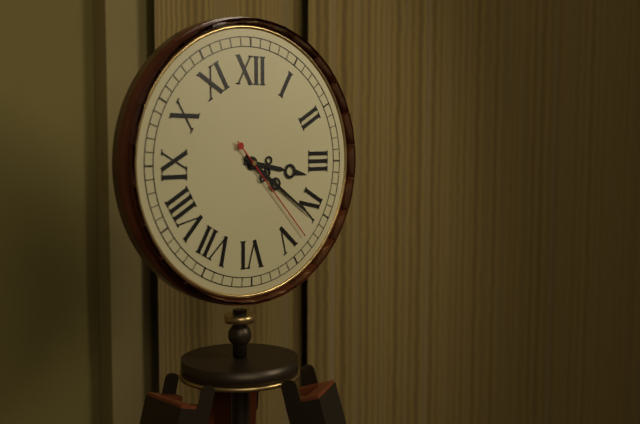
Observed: **3:21:23**
